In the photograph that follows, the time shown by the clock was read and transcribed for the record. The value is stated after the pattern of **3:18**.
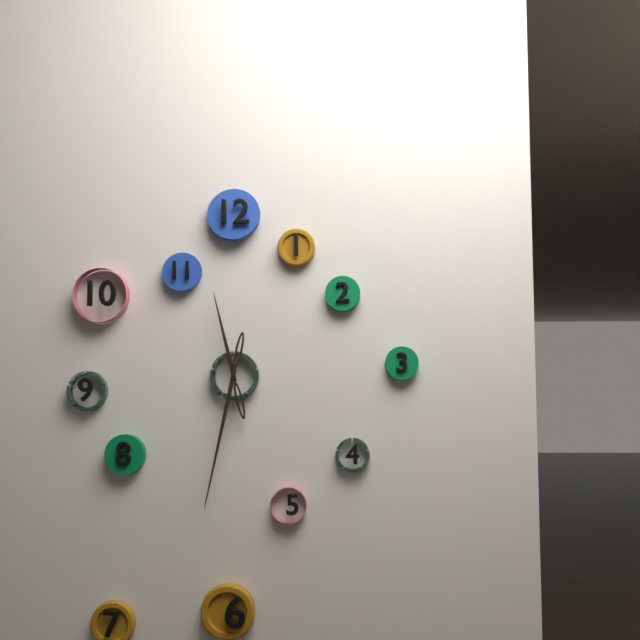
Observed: **11:32**
